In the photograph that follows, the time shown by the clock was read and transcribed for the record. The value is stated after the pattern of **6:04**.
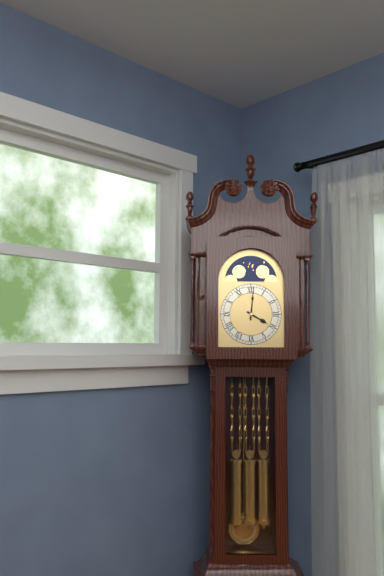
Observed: **4:01**
